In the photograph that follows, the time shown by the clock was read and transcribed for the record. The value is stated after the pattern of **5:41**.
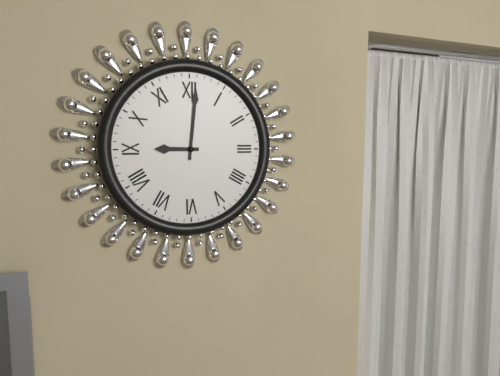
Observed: **9:01**
